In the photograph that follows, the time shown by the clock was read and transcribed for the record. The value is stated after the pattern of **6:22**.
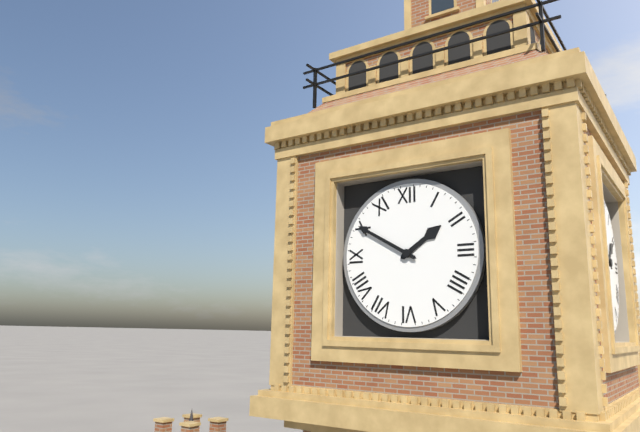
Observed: **1:50**
